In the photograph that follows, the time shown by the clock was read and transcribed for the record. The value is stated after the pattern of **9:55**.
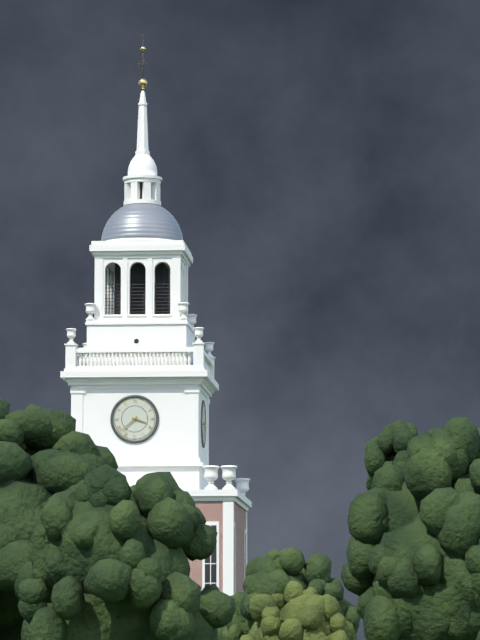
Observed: **3:38**
